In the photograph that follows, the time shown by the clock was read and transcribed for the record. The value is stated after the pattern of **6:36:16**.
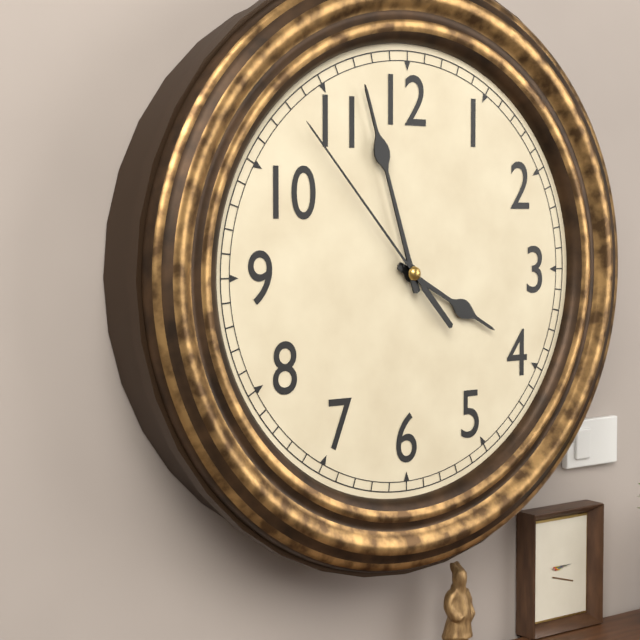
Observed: **3:57:53**
